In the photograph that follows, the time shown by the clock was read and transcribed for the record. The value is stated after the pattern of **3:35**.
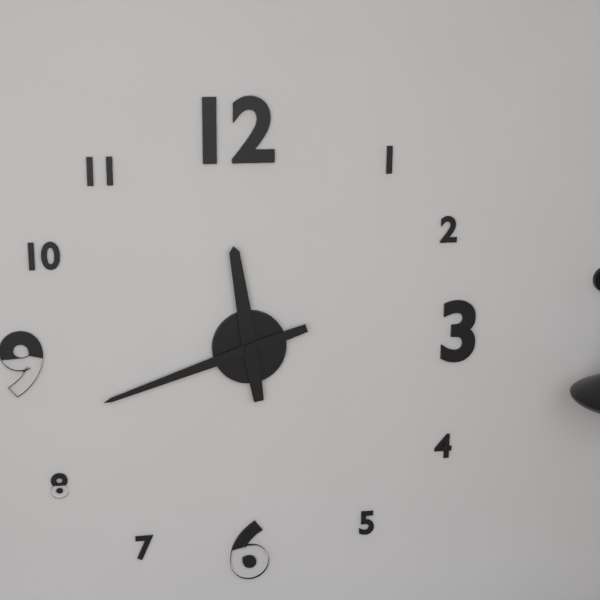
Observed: **11:42**
